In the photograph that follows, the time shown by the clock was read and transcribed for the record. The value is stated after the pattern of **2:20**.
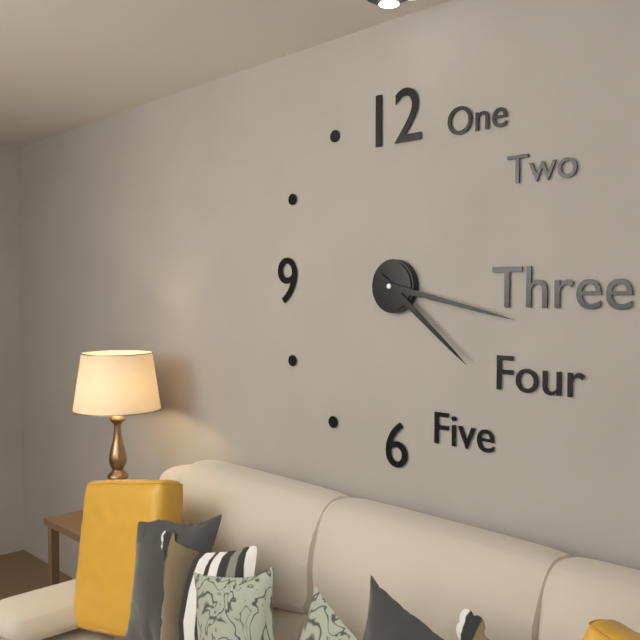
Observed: **4:17**
